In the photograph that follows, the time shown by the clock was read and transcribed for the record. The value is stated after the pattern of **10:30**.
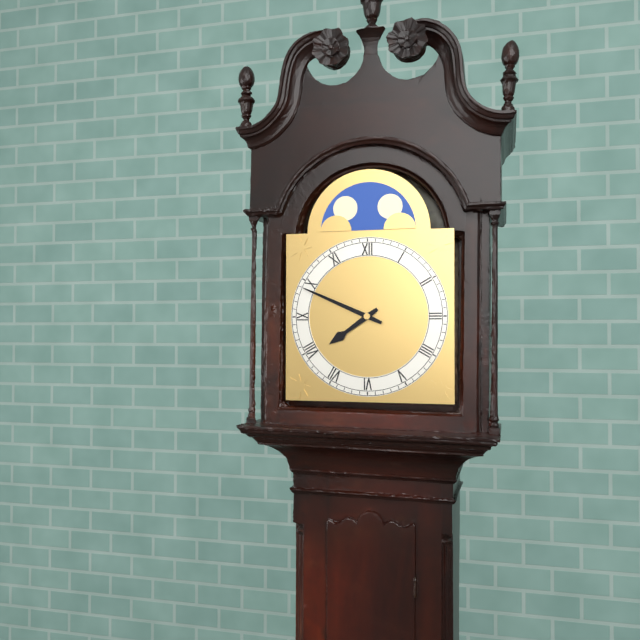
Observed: **7:49**
